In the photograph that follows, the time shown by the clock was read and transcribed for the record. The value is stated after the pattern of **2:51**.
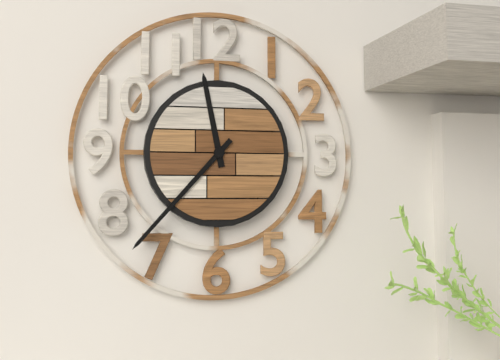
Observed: **11:37**
